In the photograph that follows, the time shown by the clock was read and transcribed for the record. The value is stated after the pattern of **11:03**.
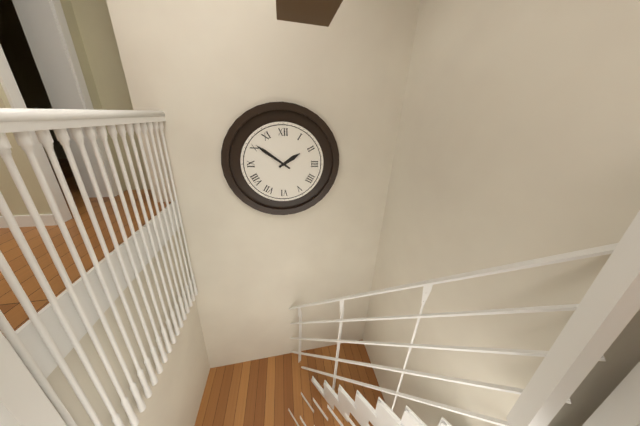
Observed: **1:51**
